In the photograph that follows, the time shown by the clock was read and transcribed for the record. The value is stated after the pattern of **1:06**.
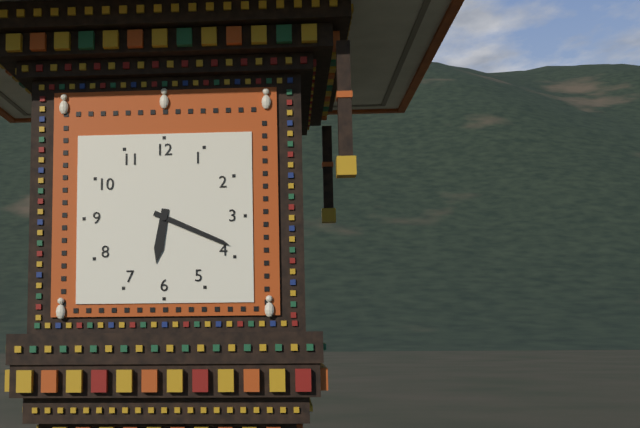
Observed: **6:19**
